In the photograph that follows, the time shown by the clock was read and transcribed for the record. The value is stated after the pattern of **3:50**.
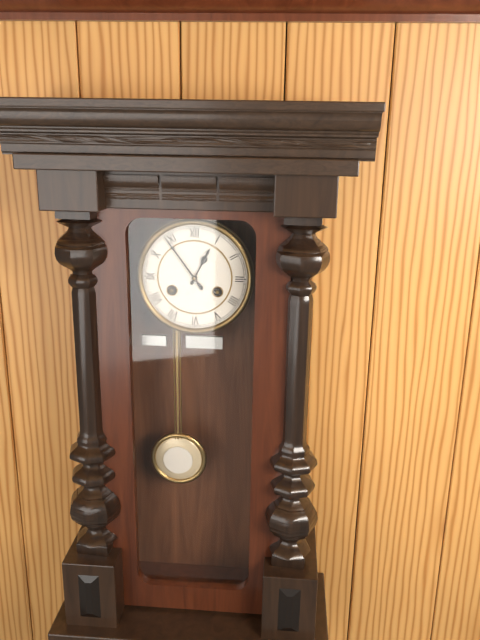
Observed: **12:54**
